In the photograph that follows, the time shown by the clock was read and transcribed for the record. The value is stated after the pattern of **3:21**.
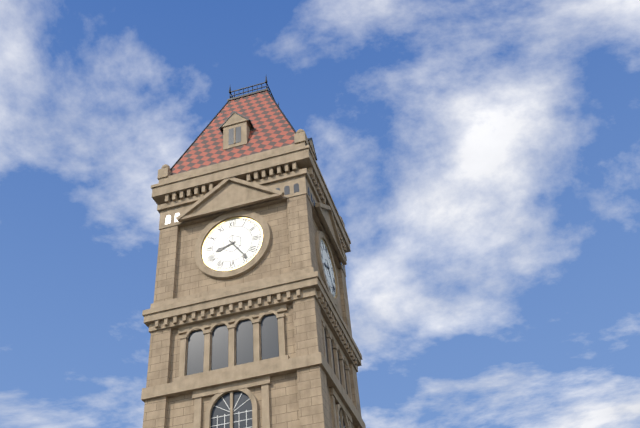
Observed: **8:24**
